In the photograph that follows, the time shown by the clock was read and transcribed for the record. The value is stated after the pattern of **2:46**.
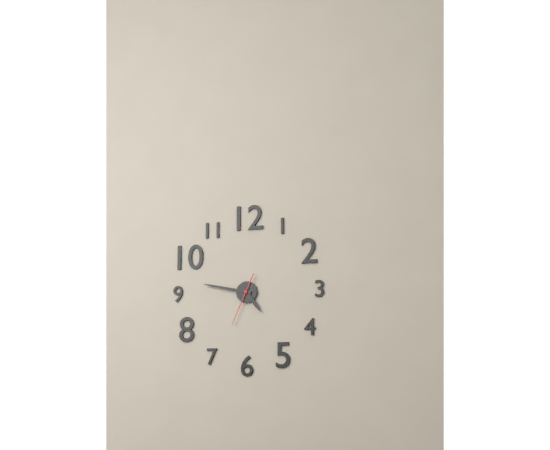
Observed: **4:47**
